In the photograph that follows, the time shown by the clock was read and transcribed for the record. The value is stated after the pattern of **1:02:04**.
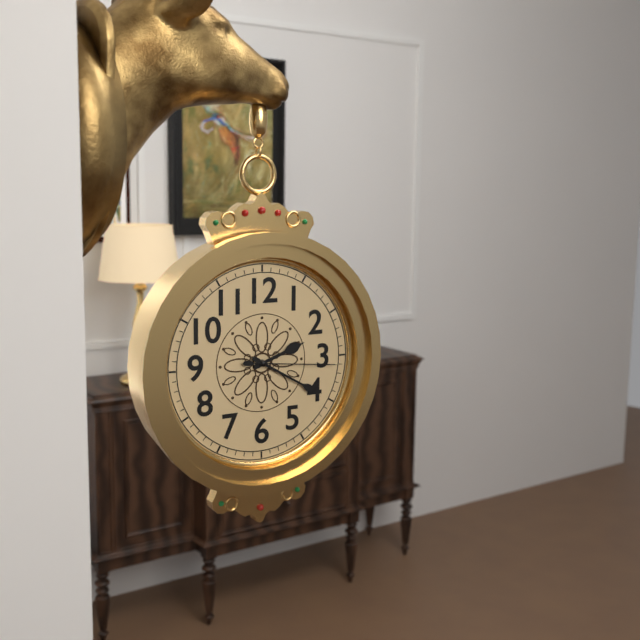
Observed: **2:20:16**
